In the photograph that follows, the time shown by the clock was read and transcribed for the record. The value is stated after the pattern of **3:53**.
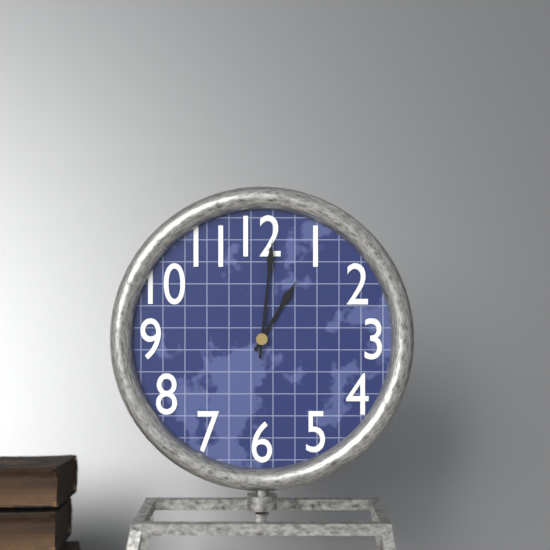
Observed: **1:01**
